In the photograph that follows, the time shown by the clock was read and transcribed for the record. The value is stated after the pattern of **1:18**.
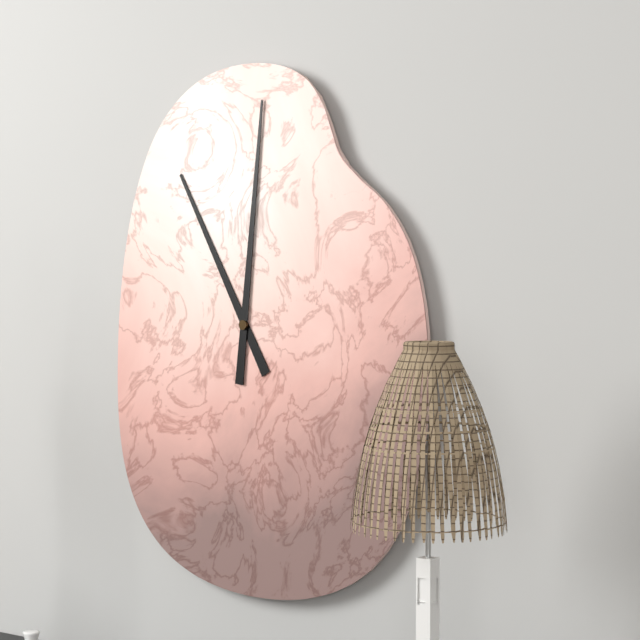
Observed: **11:01**
